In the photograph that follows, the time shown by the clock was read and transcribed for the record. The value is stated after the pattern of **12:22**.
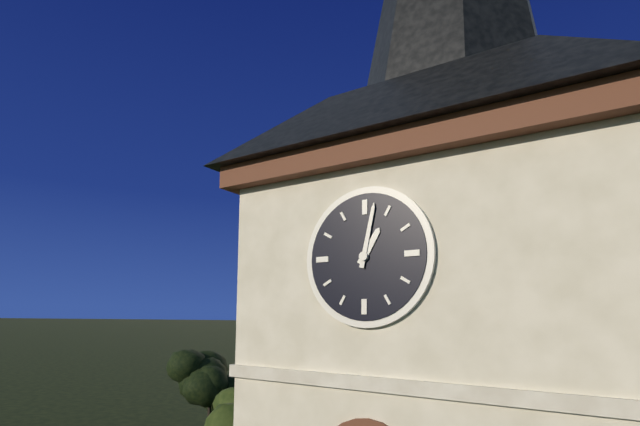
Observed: **1:02**
